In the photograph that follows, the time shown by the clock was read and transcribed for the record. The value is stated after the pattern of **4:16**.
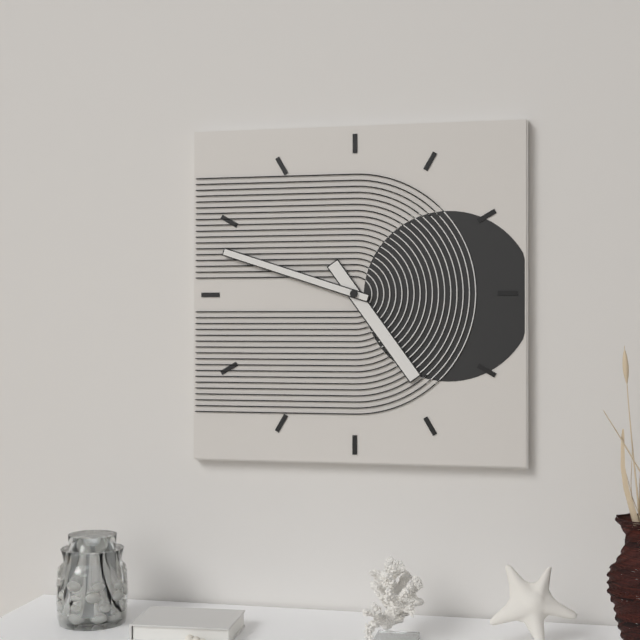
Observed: **4:48**
